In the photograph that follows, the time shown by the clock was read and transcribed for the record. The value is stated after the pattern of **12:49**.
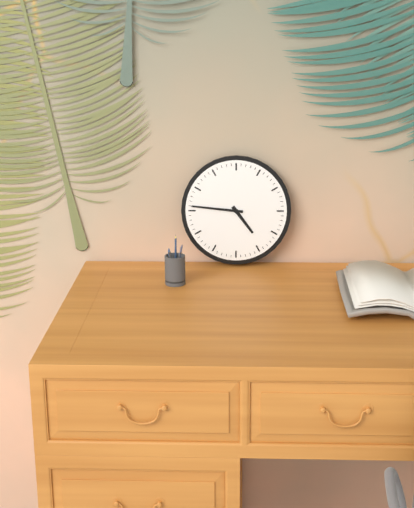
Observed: **4:46**
